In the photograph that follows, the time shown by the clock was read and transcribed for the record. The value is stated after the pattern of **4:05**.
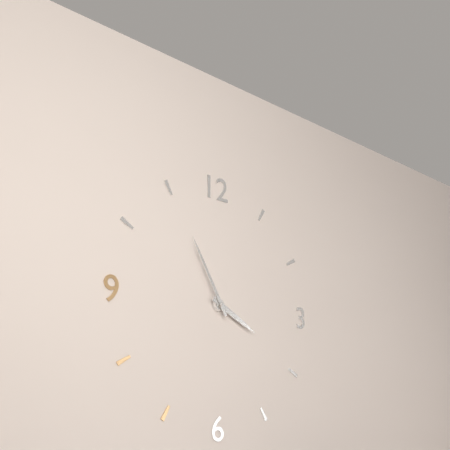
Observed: **3:55**
